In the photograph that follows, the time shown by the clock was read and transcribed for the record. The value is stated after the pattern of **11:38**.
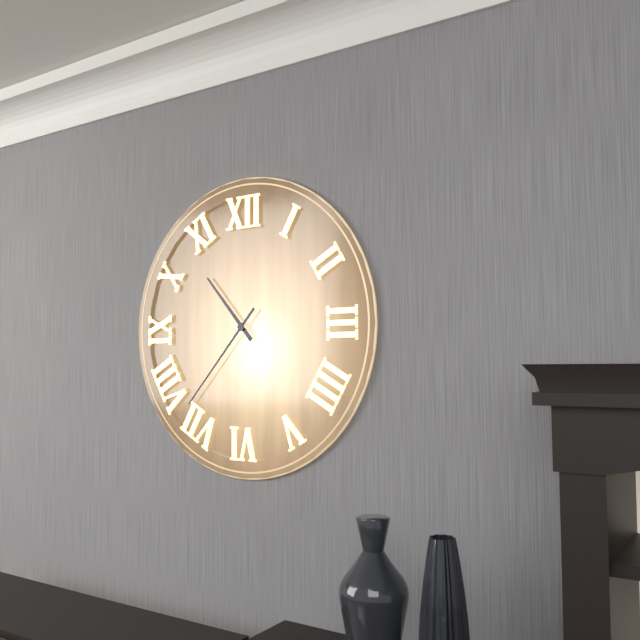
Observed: **10:37**
